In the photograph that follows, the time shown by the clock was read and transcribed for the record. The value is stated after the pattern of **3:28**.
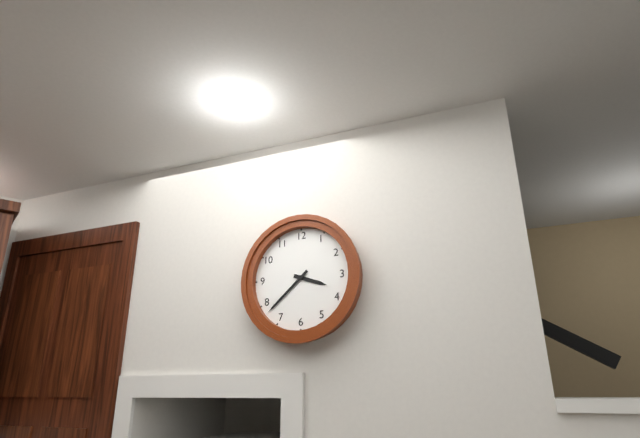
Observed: **3:38**
